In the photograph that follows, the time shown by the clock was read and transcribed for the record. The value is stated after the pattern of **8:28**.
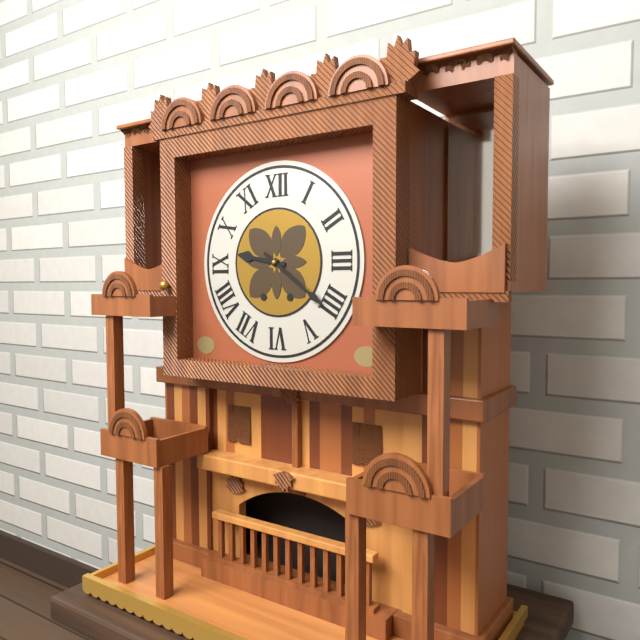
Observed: **9:21**
